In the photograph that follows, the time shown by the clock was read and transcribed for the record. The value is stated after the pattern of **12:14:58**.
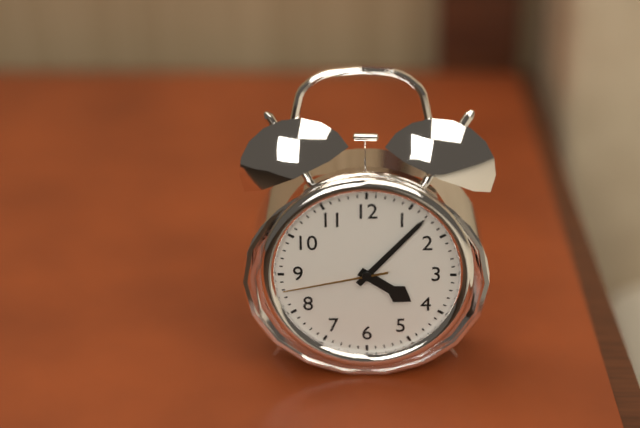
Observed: **4:07:43**
